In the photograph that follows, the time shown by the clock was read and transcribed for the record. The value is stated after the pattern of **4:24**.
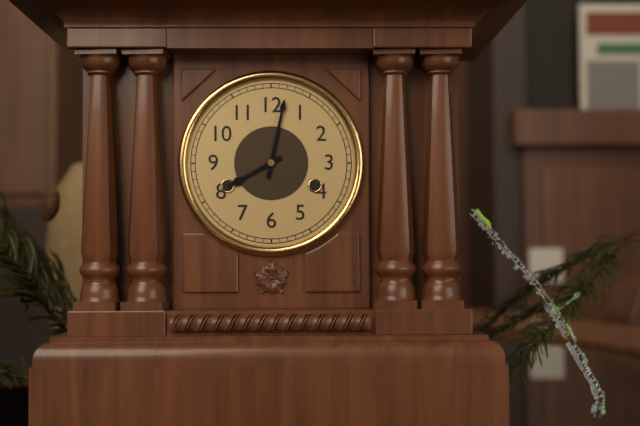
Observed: **8:02**
